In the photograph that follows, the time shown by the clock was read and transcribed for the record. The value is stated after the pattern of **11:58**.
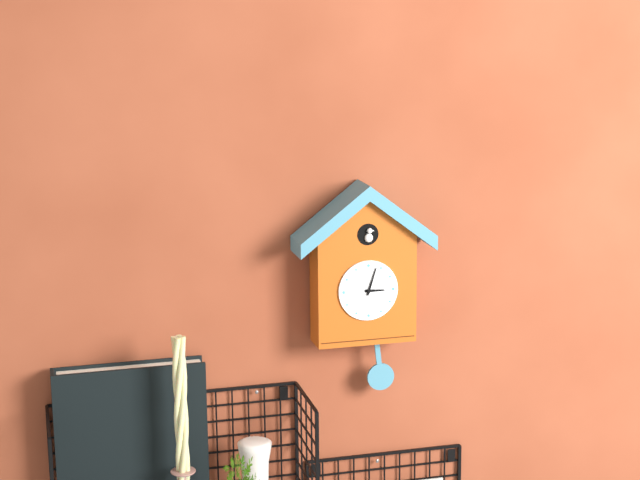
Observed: **3:03**
